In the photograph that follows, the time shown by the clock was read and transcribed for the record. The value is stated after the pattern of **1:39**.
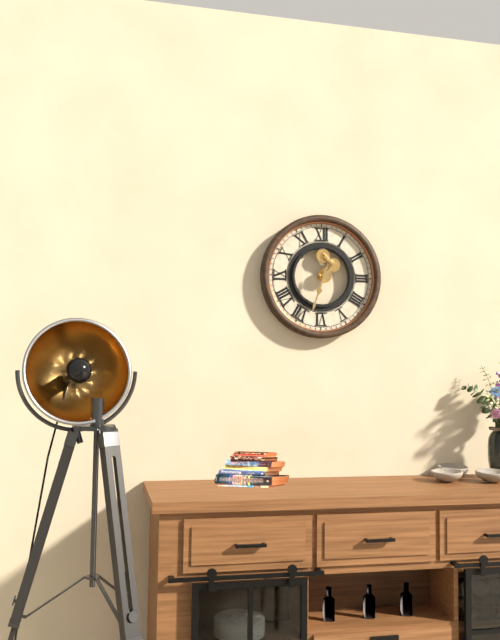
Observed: **6:33**
